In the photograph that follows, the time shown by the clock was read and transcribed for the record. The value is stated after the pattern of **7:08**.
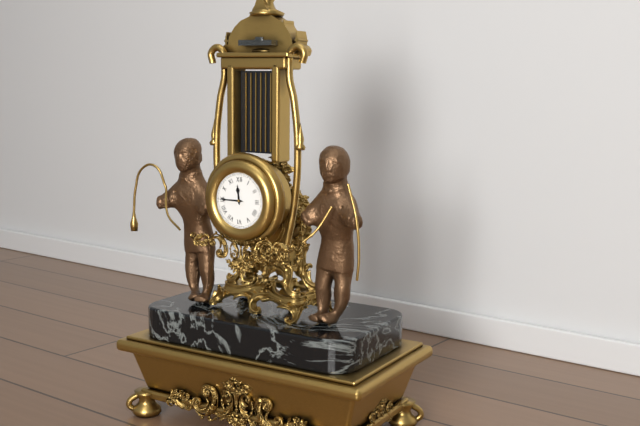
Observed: **11:45**
